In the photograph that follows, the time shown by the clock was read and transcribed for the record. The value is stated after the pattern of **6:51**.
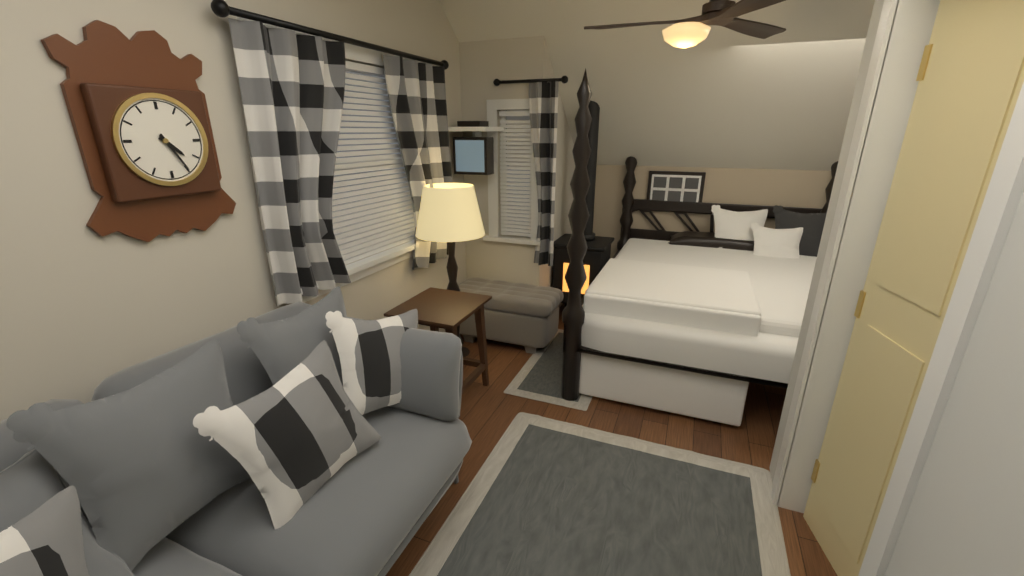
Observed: **4:25**
